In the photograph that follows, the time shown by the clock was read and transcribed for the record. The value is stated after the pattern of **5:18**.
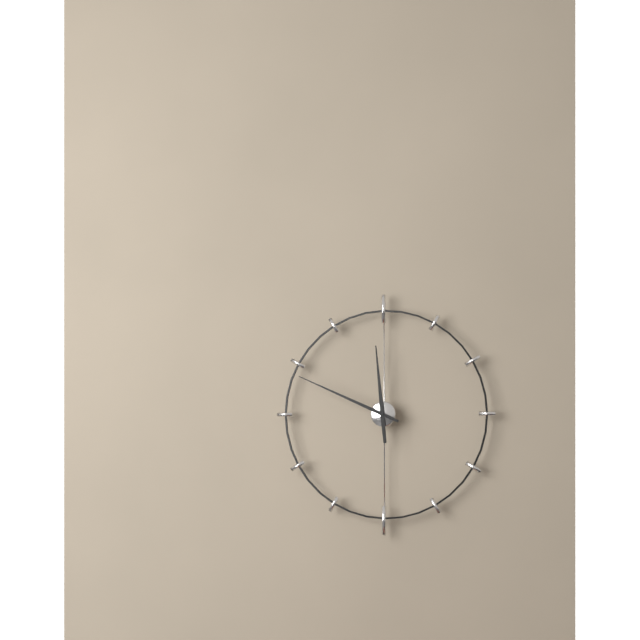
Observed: **11:49**
